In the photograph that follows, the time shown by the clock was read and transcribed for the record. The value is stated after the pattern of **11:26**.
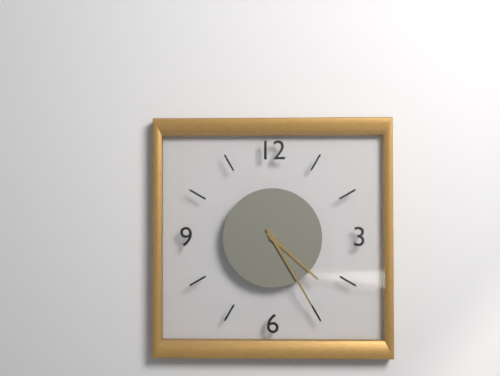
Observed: **4:25**
